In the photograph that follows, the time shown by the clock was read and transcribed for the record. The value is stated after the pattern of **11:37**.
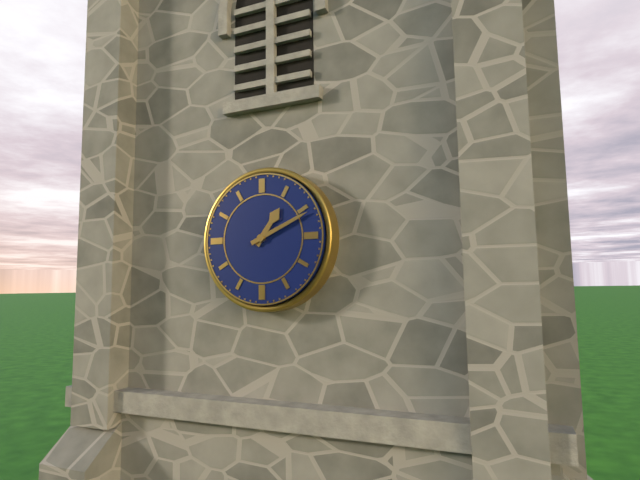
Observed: **1:11**
